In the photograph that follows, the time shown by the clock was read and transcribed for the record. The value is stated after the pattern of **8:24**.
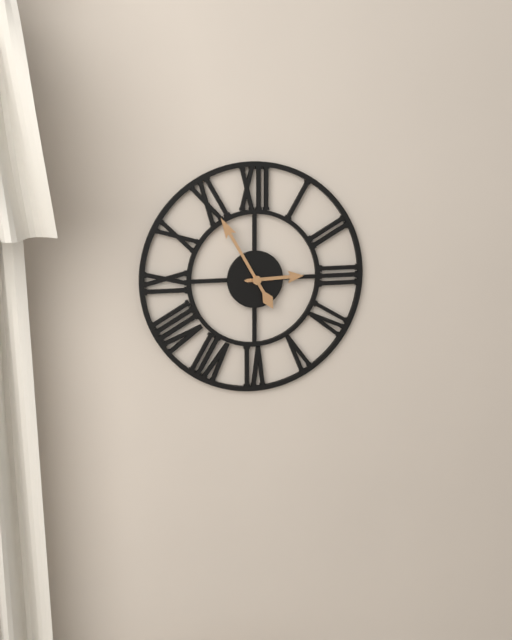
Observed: **2:55**
